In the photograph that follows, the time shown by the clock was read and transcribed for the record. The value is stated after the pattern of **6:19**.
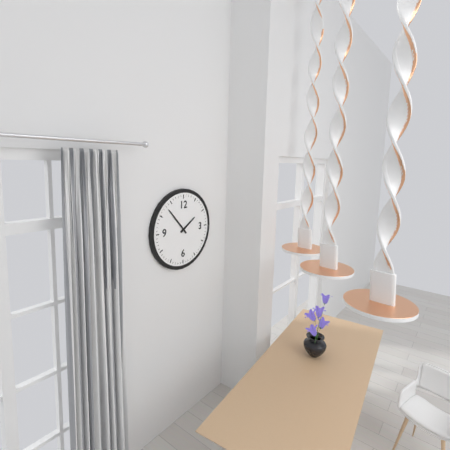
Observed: **1:53**
